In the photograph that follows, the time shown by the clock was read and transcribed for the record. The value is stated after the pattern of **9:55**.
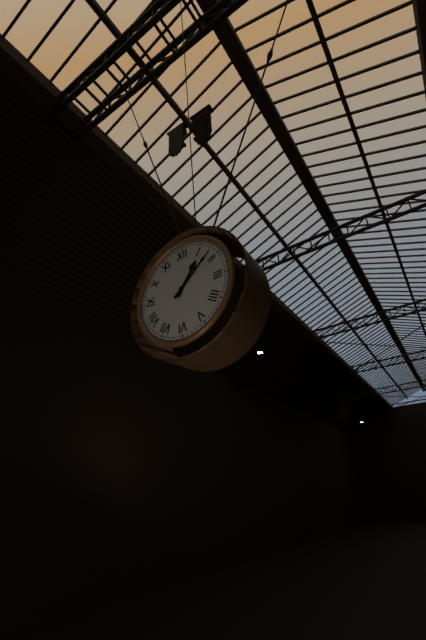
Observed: **1:08**
